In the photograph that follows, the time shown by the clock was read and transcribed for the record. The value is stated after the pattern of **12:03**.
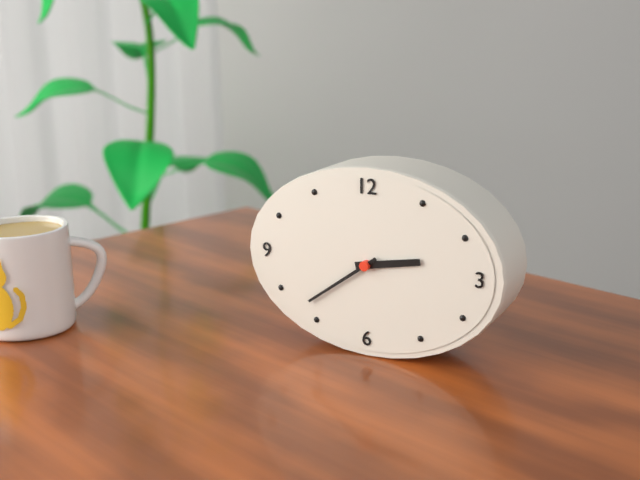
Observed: **2:39**
